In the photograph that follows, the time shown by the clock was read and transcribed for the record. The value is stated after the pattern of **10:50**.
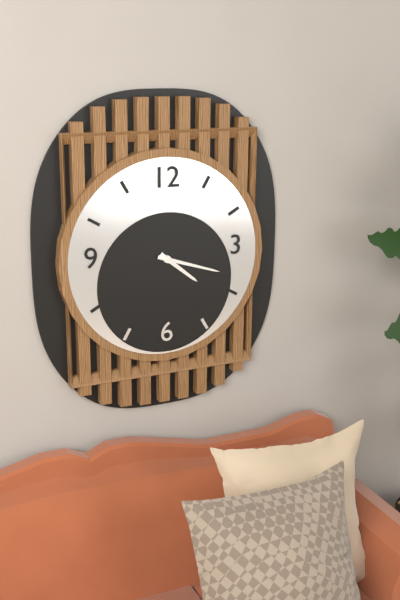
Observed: **4:18**
